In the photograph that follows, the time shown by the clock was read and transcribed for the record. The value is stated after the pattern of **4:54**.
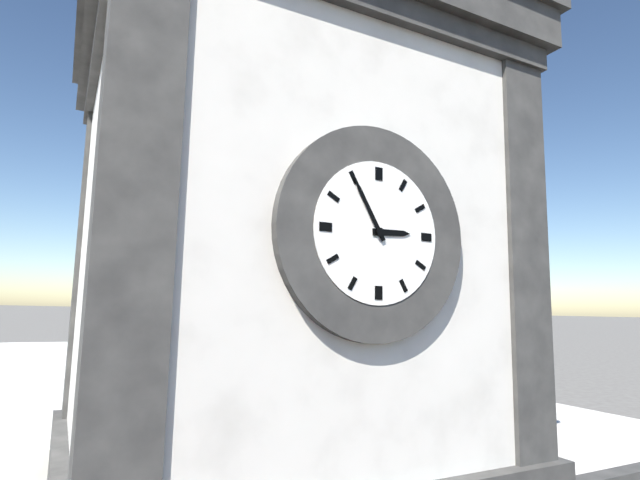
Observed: **2:55**
